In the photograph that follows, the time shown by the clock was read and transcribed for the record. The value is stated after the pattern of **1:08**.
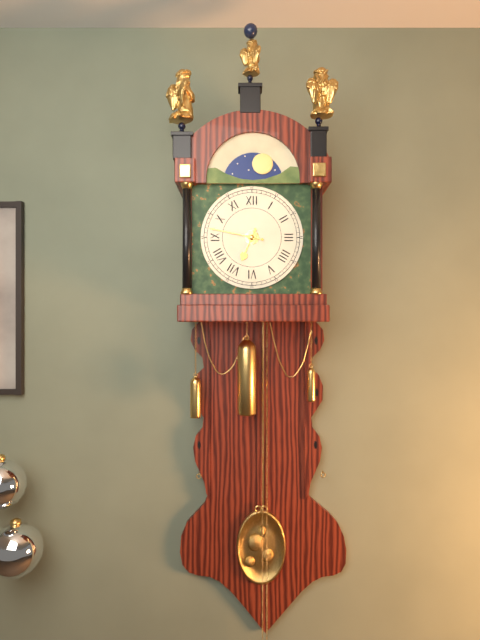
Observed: **6:47**
